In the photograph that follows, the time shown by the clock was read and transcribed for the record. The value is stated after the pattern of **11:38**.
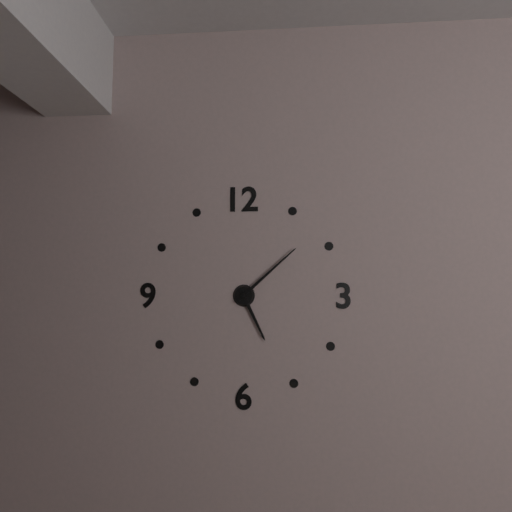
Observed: **5:08**
